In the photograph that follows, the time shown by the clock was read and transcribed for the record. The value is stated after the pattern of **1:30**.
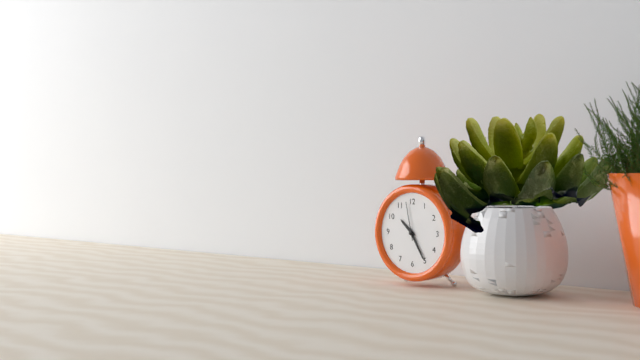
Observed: **10:25**
